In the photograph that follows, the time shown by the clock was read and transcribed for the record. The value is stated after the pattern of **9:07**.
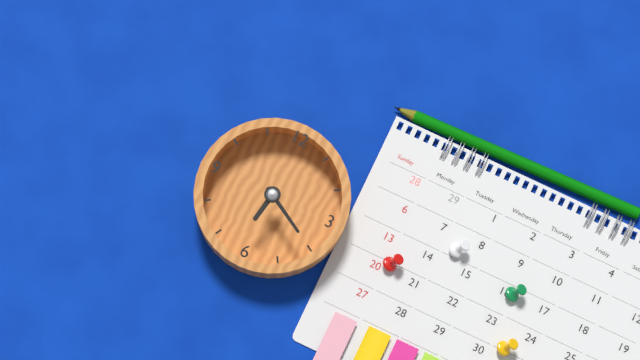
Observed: **6:20**
